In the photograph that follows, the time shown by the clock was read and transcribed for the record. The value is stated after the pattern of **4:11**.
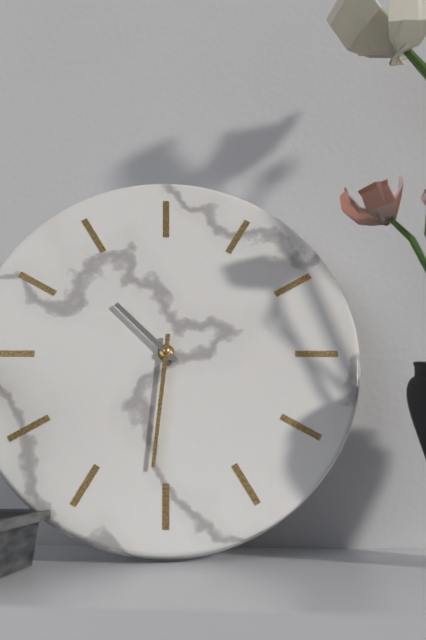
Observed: **10:31**
